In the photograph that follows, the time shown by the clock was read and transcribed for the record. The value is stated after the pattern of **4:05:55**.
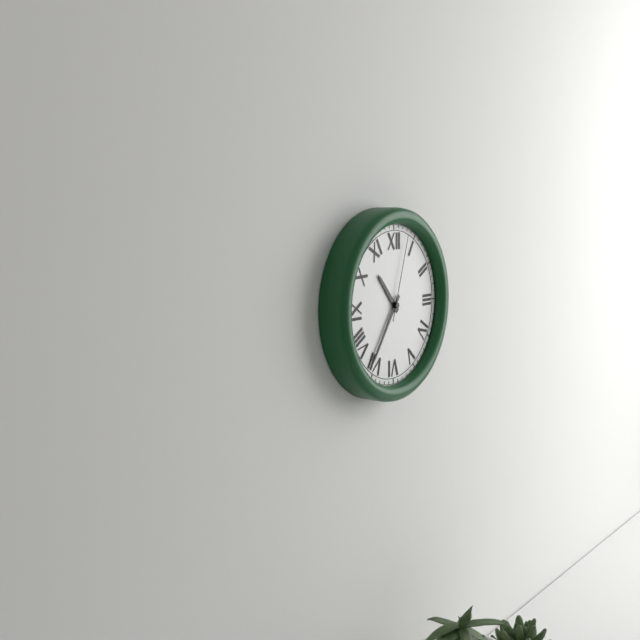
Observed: **10:36:03**
